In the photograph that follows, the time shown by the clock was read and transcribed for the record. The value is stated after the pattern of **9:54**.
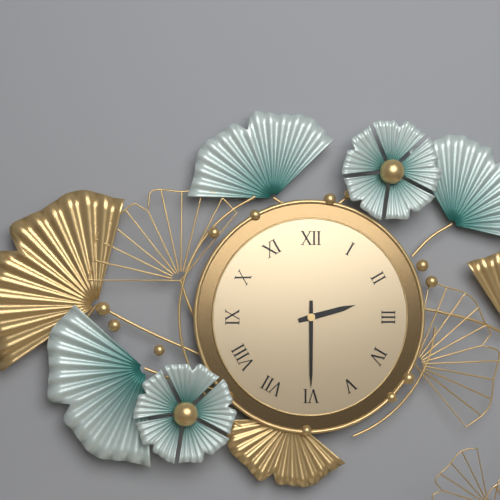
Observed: **2:30**
